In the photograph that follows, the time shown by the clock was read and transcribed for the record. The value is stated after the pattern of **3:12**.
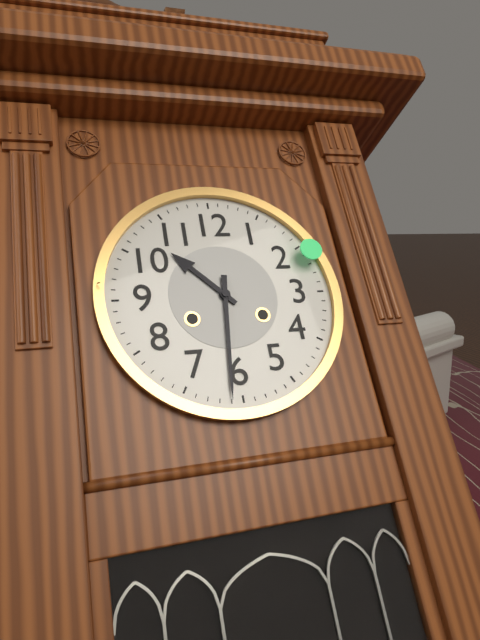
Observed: **10:31**
